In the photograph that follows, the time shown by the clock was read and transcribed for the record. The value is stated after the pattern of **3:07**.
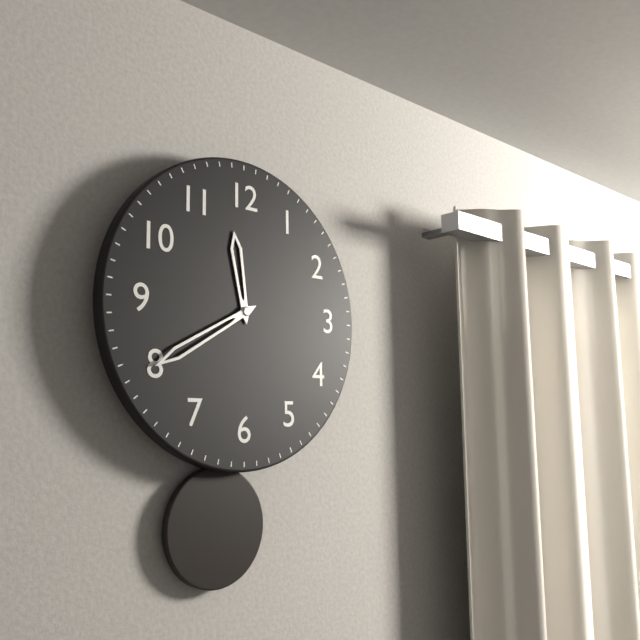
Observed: **11:40**
